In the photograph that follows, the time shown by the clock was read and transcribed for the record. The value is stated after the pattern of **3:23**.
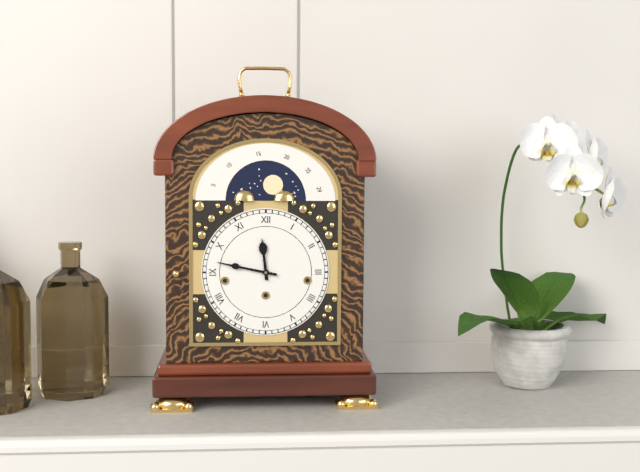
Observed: **11:47**
